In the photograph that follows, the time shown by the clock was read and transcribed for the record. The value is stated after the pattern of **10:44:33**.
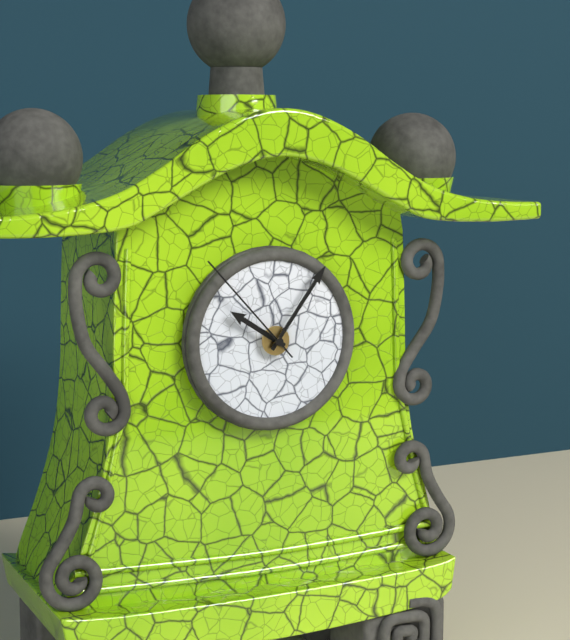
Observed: **10:06:53**
